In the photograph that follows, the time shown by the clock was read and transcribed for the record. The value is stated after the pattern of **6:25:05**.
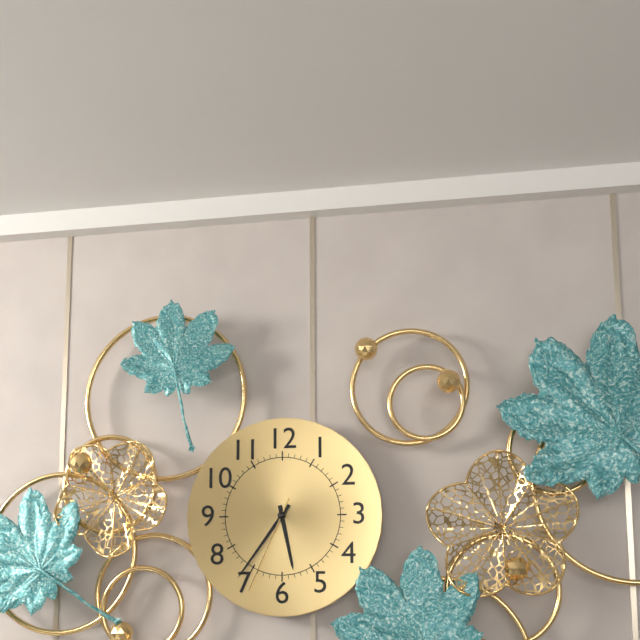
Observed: **5:36:34**
